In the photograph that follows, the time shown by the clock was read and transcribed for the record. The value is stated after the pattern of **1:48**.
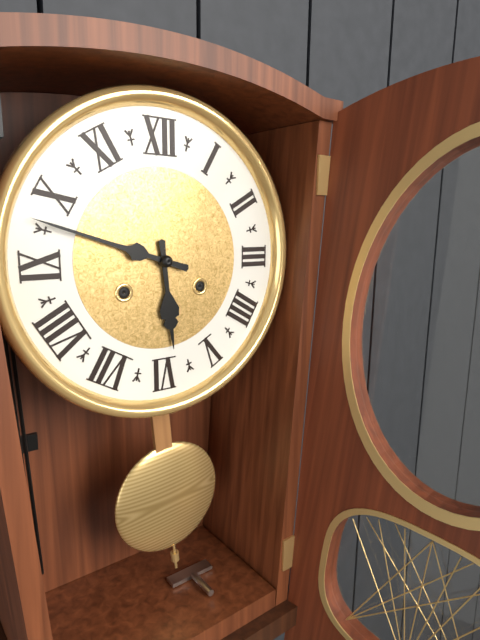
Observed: **5:48**
